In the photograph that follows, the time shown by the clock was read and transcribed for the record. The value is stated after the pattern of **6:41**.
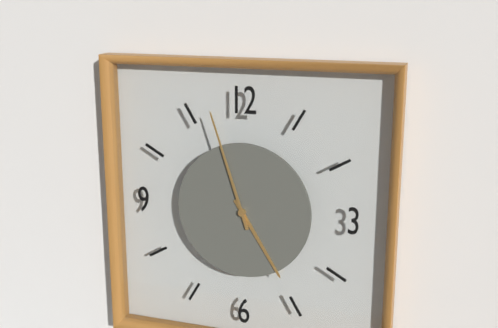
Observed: **4:57**
